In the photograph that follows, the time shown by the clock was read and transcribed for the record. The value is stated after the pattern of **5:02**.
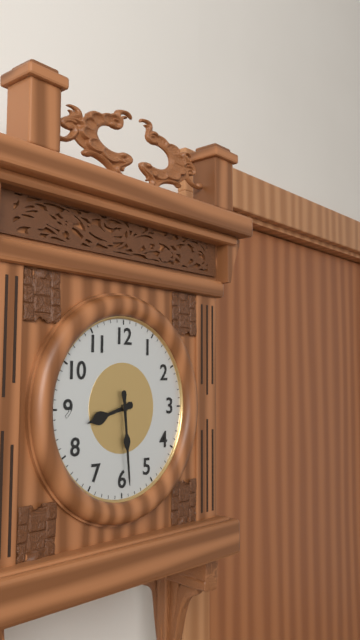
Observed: **8:29**
